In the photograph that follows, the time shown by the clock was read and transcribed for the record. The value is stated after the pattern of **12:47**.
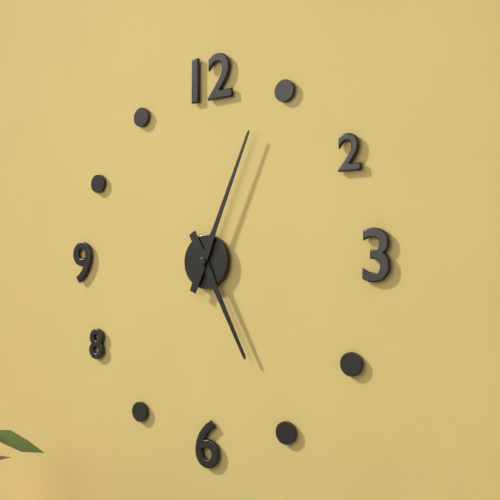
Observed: **5:04**
